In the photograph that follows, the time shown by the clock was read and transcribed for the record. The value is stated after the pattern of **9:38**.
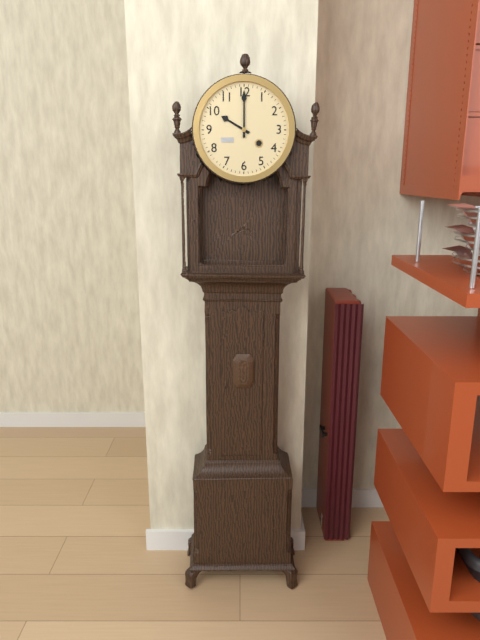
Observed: **10:00**
